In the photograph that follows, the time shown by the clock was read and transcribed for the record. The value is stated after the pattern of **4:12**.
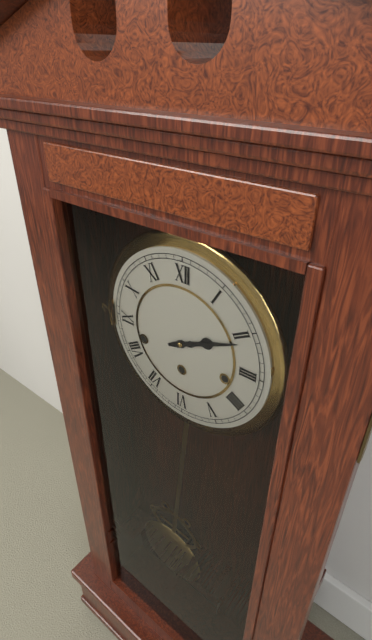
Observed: **2:11**
